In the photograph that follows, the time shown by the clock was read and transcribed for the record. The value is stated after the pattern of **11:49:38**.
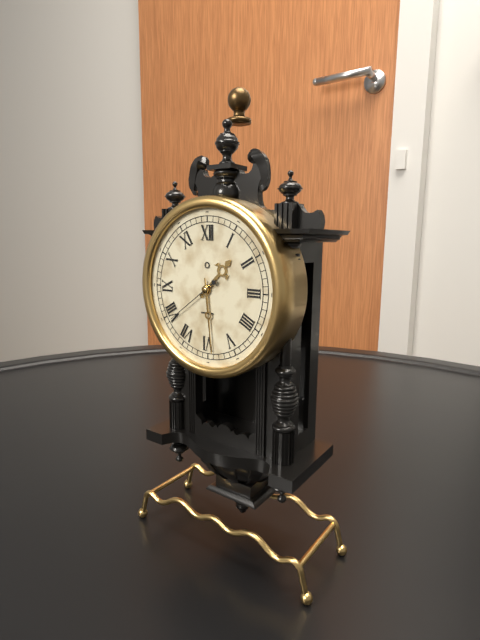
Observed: **1:29:39**
